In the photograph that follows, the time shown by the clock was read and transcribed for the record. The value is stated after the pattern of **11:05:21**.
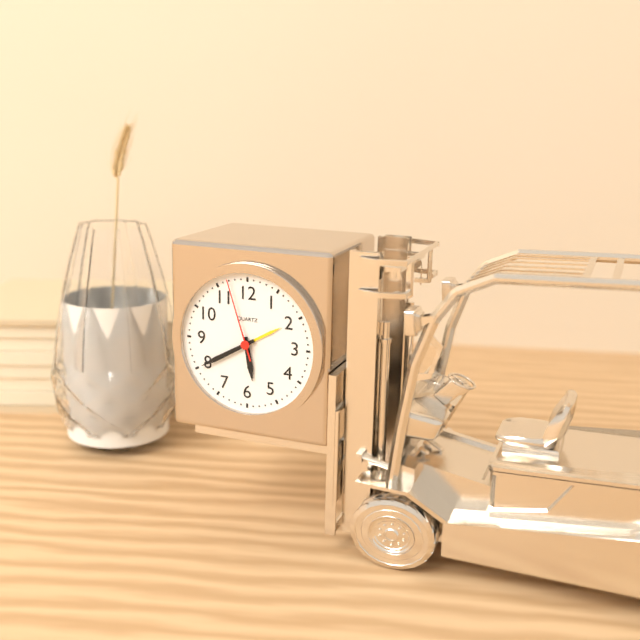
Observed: **5:40:57**
